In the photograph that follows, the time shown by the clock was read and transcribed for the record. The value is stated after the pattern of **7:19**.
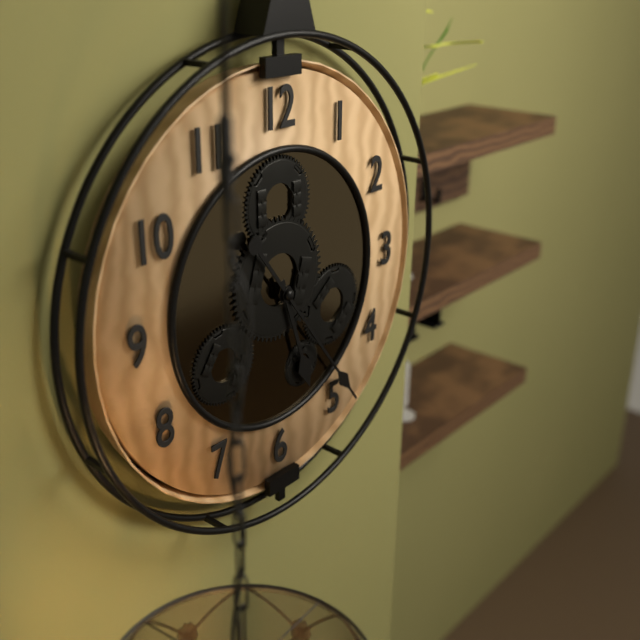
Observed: **5:24**
